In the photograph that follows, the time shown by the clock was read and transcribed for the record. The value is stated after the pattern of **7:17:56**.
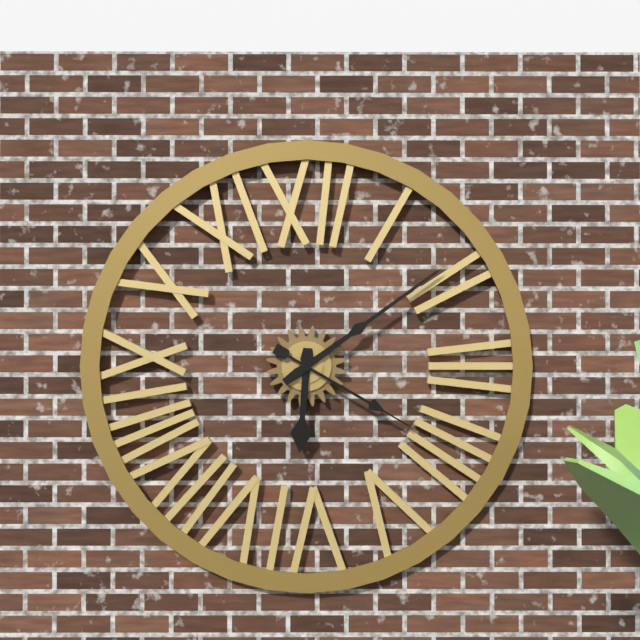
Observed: **6:09:20**
